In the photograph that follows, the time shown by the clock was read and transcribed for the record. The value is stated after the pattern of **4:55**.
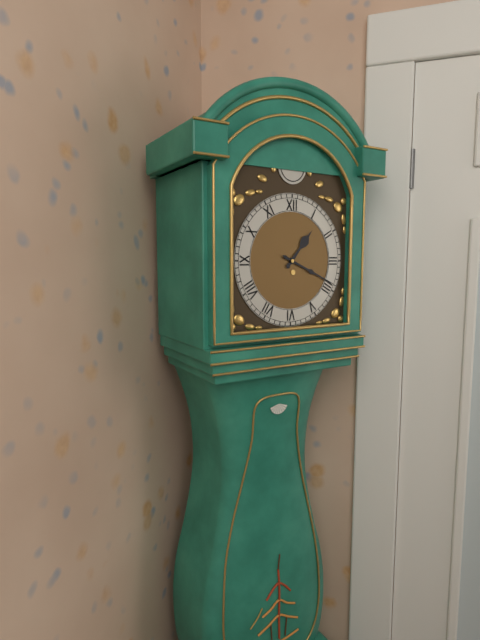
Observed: **1:19**
